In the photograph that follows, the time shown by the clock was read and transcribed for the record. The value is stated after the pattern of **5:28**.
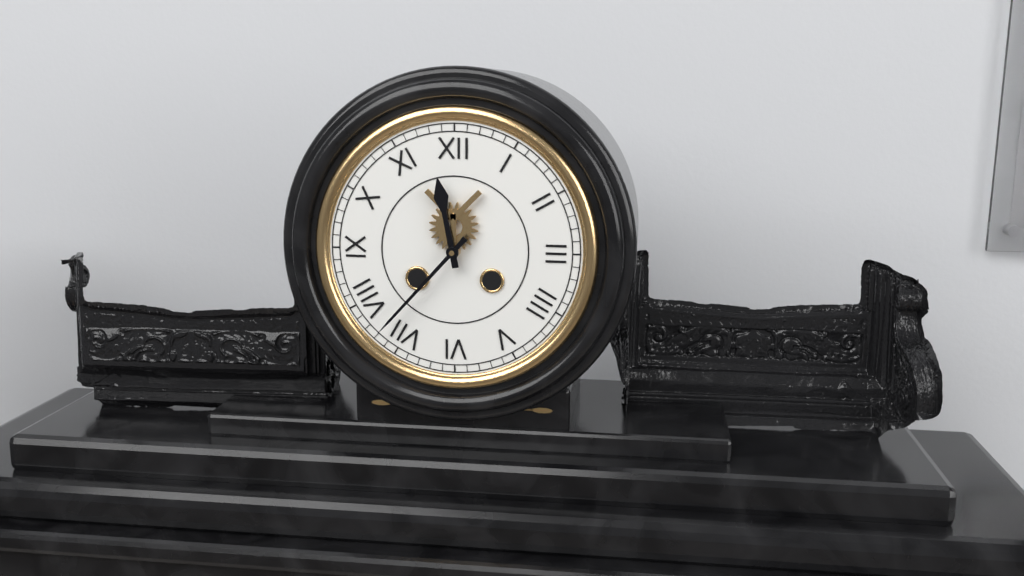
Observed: **11:37**
